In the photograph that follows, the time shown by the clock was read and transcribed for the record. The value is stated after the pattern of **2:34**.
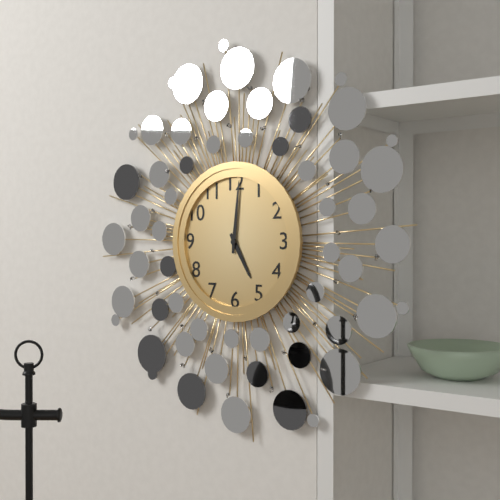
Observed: **5:01**
